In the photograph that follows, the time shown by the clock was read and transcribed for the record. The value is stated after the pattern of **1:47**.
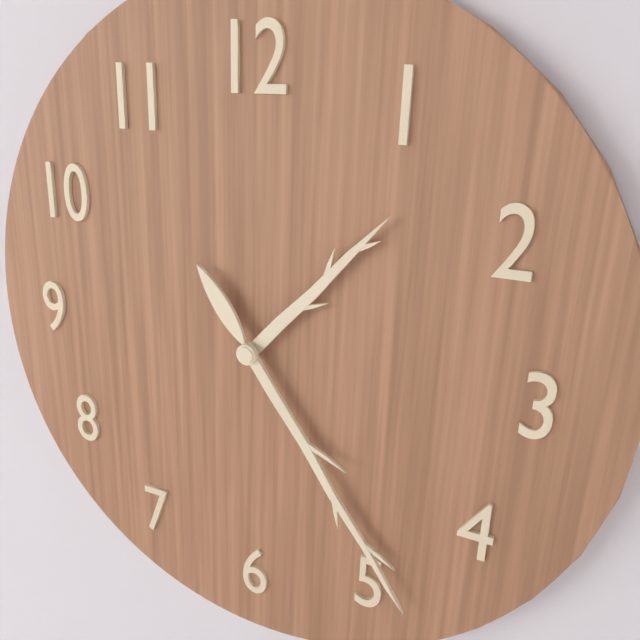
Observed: **1:24**
